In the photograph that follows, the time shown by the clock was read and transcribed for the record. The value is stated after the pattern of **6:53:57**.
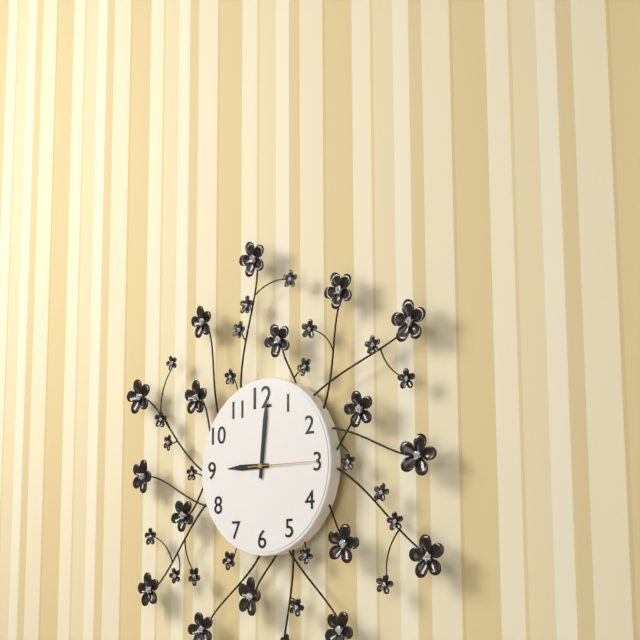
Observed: **9:01:15**
